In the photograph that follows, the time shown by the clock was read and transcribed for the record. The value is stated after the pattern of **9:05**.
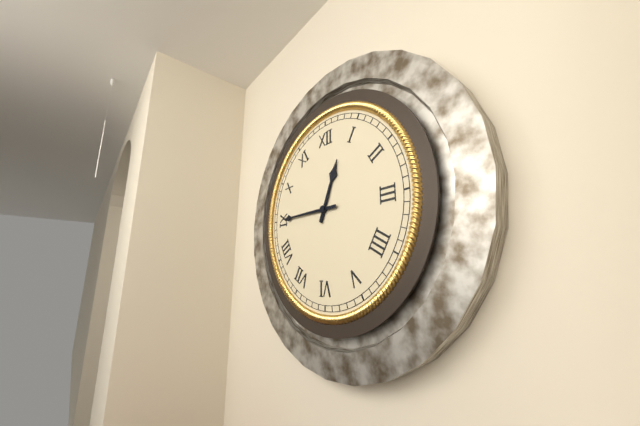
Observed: **12:45**
